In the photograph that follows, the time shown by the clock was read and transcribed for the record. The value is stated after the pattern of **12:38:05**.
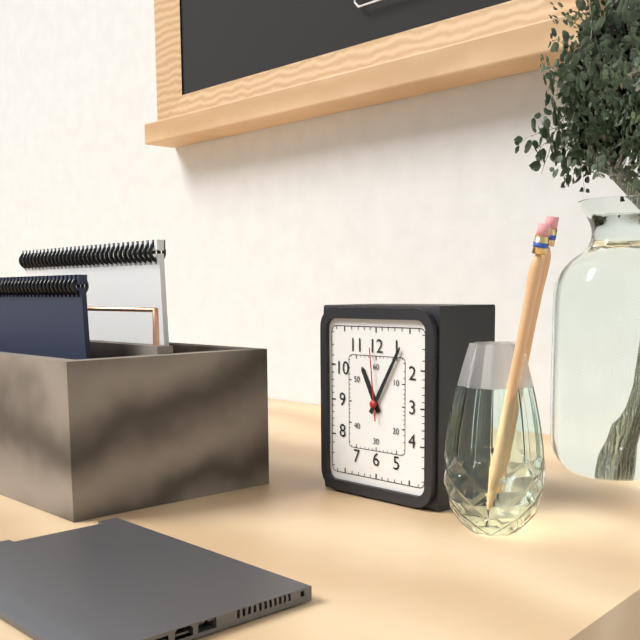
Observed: **11:05:59**
